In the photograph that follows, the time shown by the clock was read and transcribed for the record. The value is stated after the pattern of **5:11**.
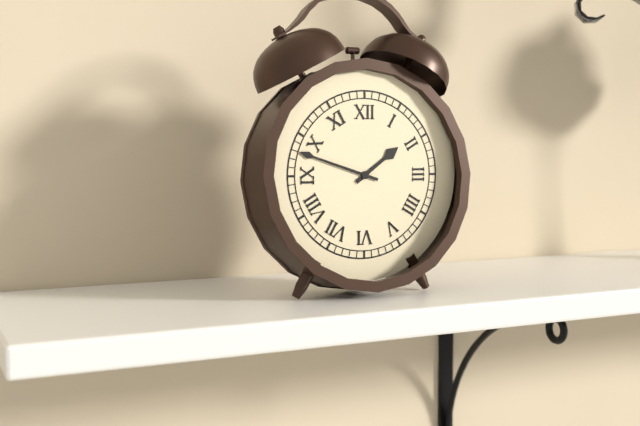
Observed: **1:48**
